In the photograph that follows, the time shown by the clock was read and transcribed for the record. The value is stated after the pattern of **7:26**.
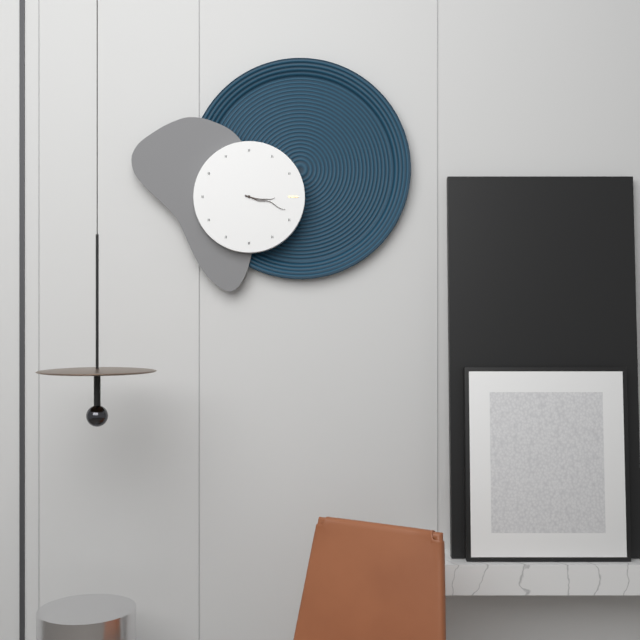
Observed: **3:18**
